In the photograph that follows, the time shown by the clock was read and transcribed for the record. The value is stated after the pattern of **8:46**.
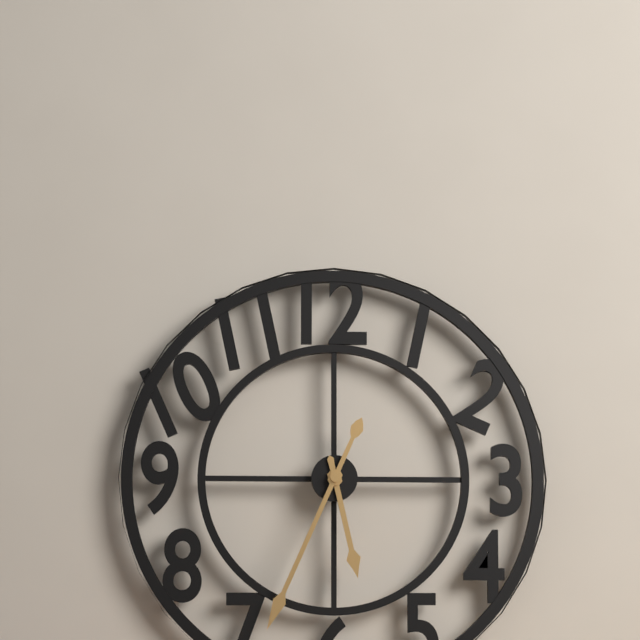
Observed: **5:34**
